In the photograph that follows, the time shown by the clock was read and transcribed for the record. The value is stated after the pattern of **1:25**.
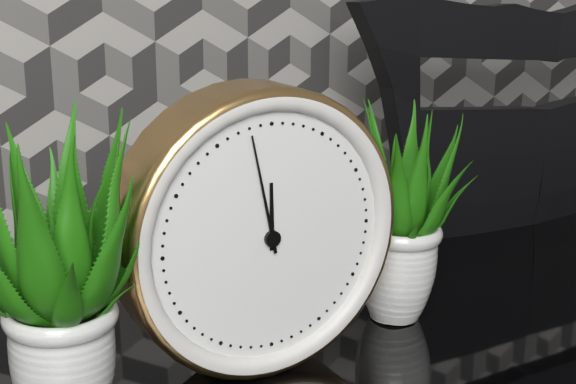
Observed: **11:58**
